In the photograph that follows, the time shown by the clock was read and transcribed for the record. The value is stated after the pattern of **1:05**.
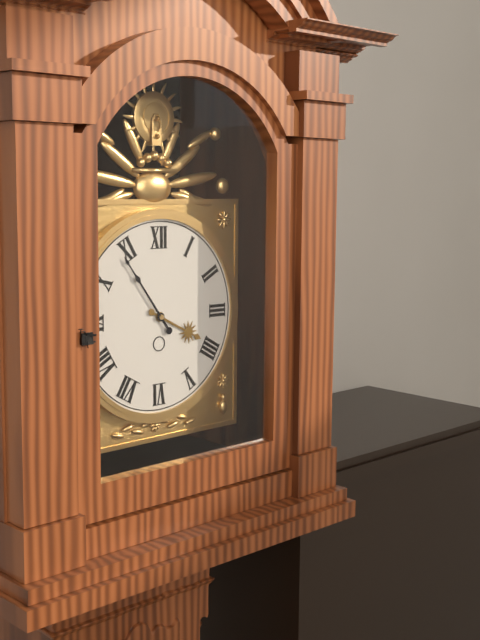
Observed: **3:54**
